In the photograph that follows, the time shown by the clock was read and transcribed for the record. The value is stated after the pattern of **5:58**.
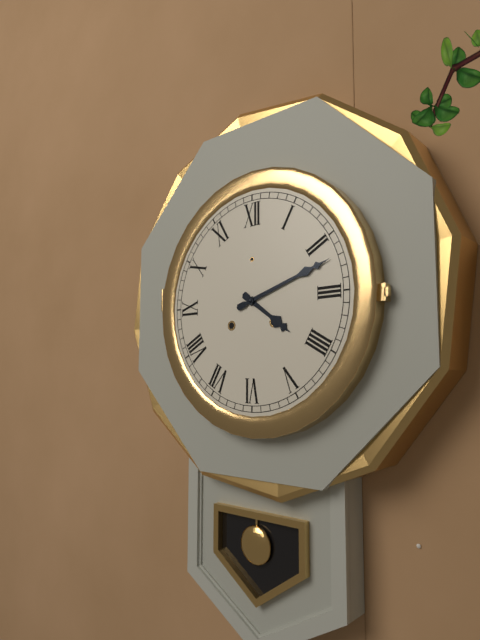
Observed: **4:12**
